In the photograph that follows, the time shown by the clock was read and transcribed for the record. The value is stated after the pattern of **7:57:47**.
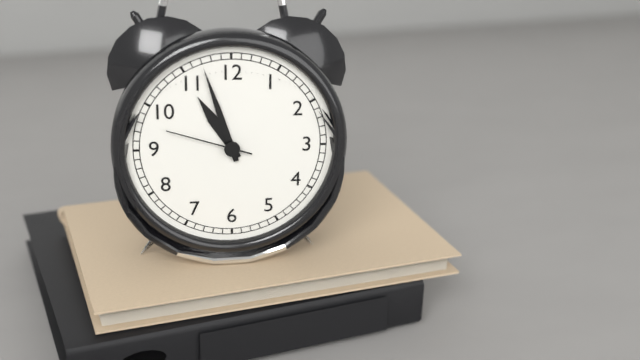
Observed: **10:57:48**
